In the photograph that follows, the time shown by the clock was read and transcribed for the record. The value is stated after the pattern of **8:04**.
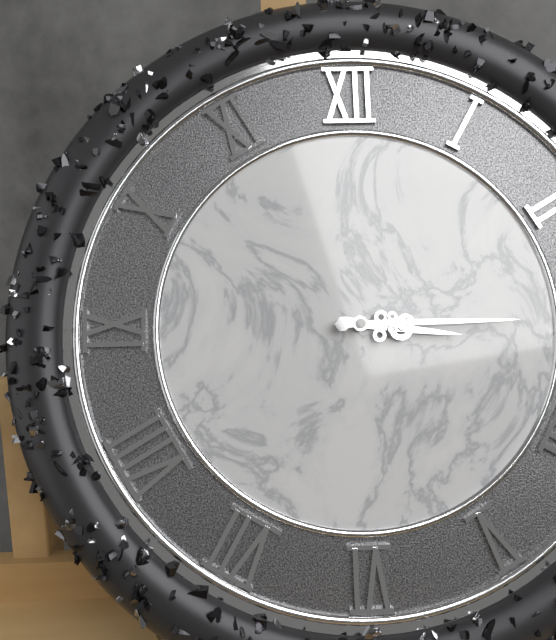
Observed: **3:15**
